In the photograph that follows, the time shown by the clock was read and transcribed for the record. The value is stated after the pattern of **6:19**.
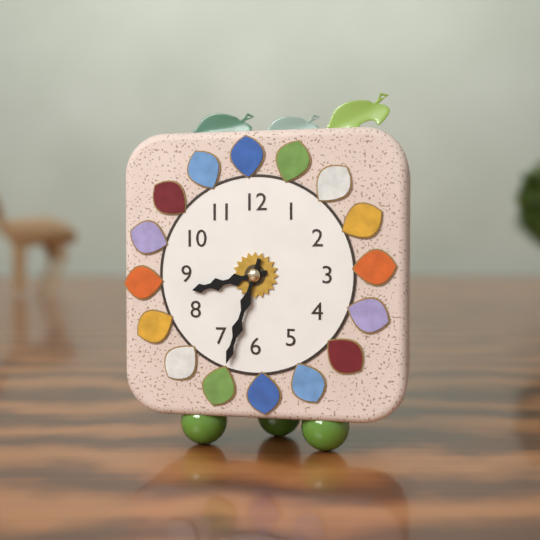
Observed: **8:33**
